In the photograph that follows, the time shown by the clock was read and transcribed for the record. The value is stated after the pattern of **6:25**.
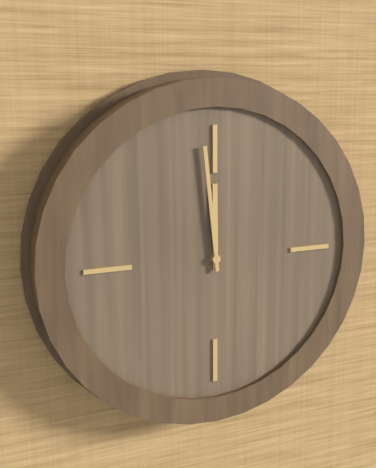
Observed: **11:59**
